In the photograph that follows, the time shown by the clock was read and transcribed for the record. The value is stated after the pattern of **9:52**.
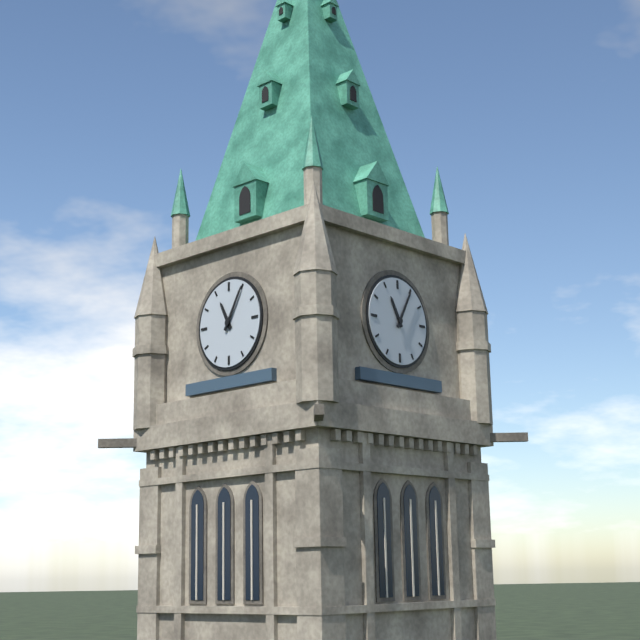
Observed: **11:05**
